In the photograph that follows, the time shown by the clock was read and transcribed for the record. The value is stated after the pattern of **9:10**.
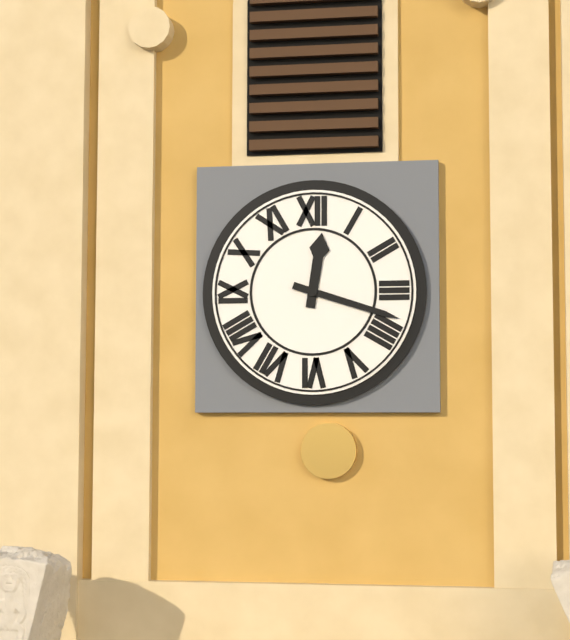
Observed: **12:18**
